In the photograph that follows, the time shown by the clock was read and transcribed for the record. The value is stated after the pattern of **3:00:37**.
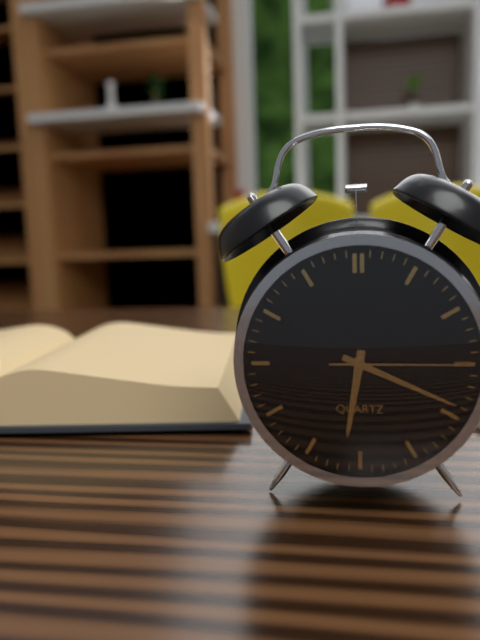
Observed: **6:19:15**
